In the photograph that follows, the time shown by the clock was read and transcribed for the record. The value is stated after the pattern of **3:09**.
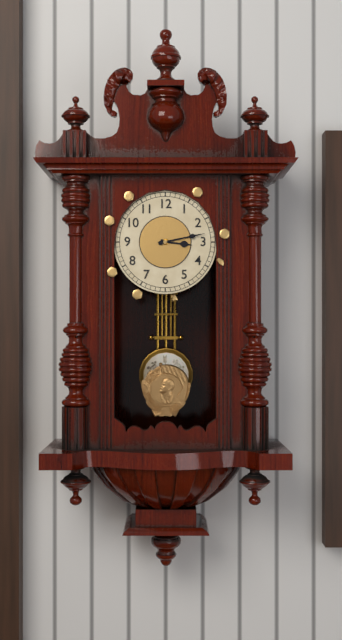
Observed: **3:13**
